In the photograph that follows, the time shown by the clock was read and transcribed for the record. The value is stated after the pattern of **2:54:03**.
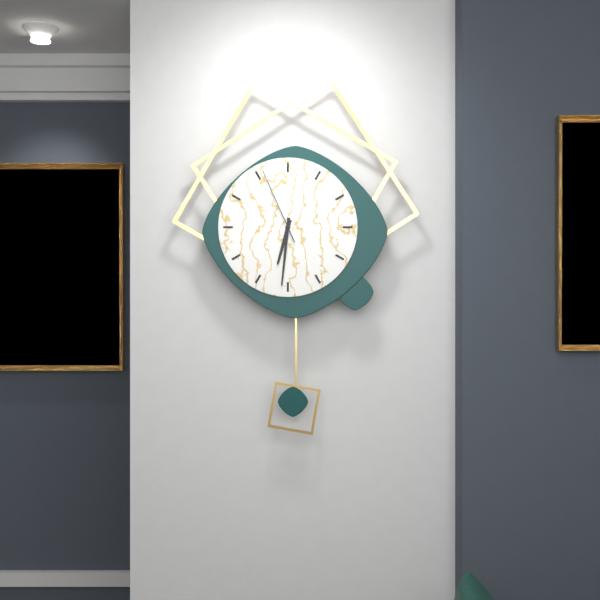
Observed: **6:31:56**
